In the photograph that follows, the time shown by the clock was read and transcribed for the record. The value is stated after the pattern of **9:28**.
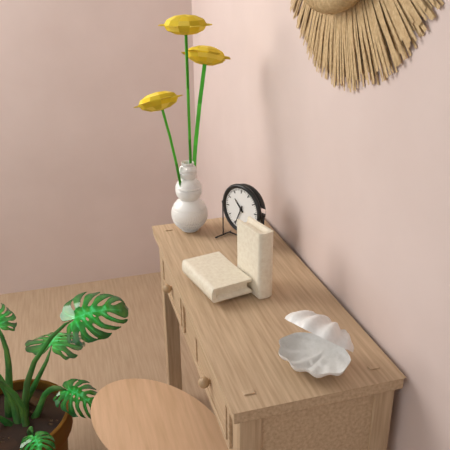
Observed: **10:34**
